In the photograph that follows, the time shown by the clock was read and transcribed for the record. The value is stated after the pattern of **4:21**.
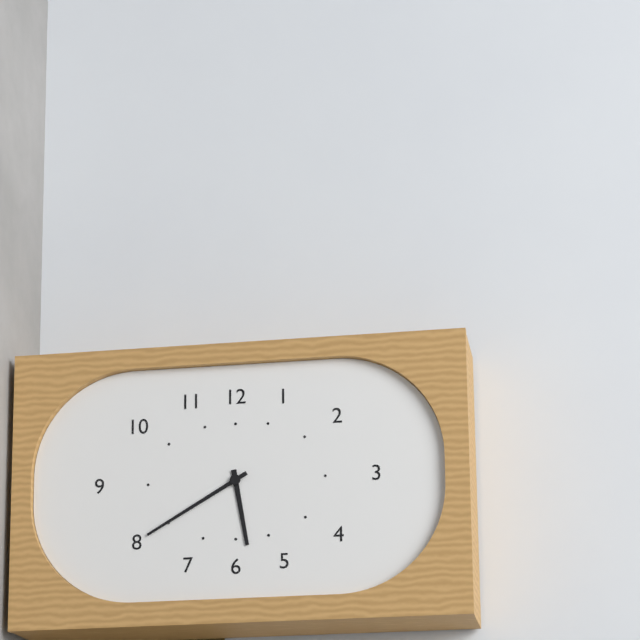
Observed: **5:40**
